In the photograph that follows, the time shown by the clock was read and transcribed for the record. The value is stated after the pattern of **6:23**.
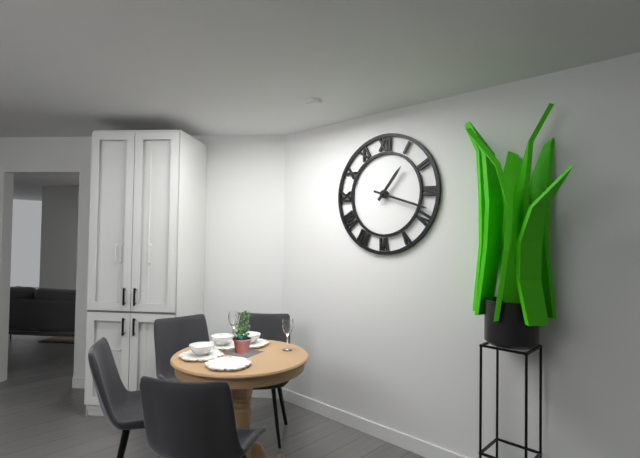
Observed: **1:18**
